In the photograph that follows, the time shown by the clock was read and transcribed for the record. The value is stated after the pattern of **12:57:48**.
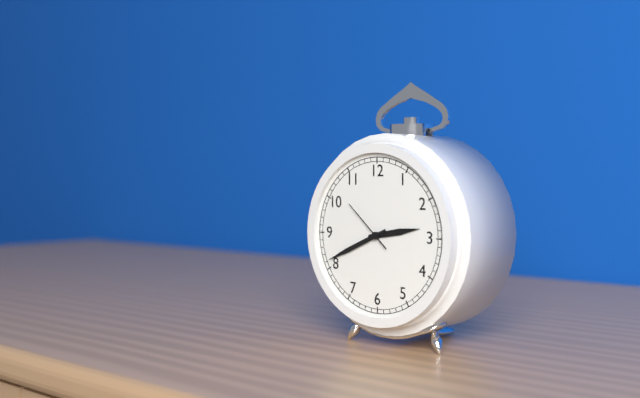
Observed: **2:41:52**
